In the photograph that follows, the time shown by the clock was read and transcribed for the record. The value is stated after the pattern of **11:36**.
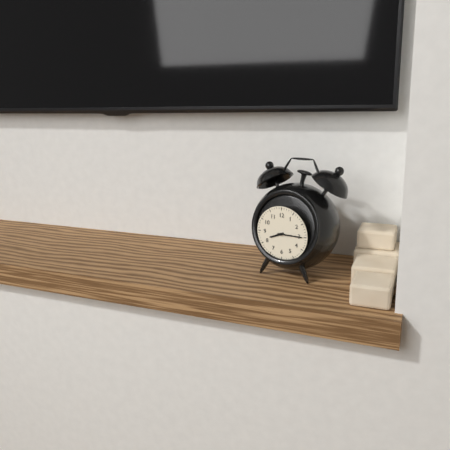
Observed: **8:15**
